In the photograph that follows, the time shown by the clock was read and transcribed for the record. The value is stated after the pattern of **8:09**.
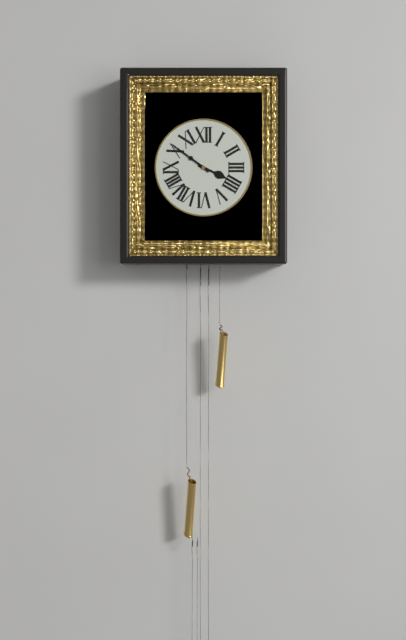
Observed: **3:51**
